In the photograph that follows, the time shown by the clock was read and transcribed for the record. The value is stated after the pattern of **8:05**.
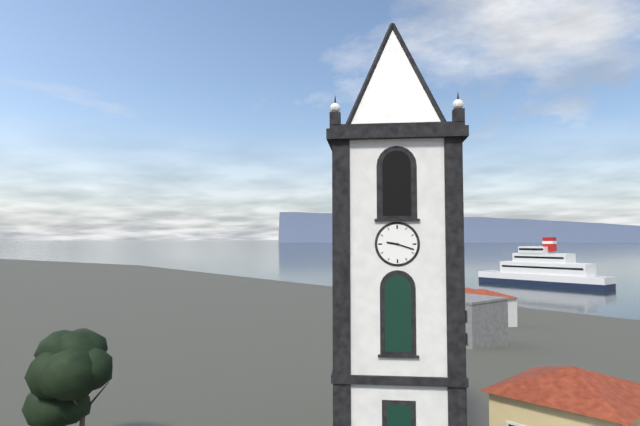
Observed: **9:18**
